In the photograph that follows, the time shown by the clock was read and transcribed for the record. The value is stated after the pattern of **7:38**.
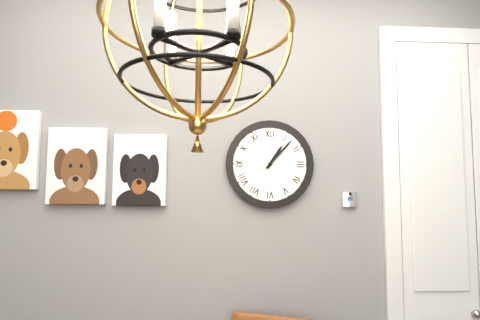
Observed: **1:07**
